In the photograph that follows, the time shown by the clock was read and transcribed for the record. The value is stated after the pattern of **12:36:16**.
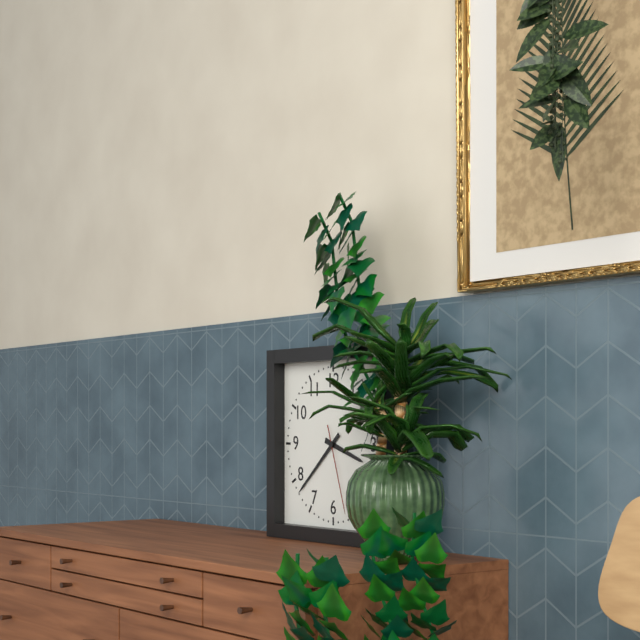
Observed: **3:38:27**
